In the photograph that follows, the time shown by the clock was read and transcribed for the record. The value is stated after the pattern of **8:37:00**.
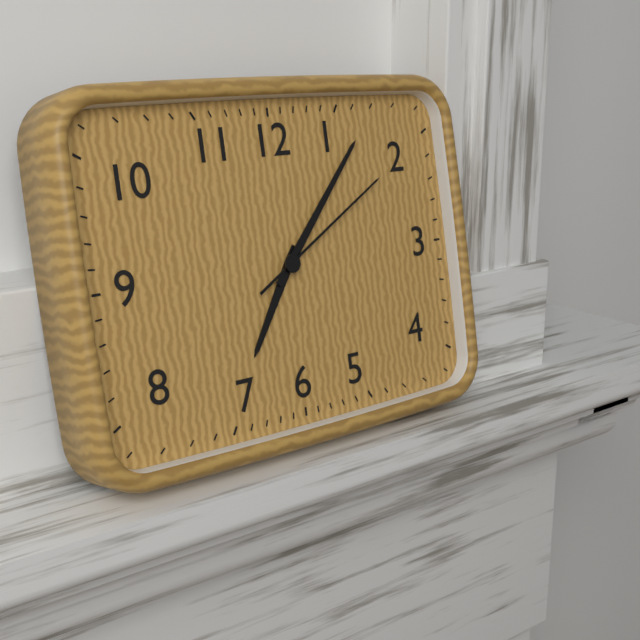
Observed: **7:07:10**
